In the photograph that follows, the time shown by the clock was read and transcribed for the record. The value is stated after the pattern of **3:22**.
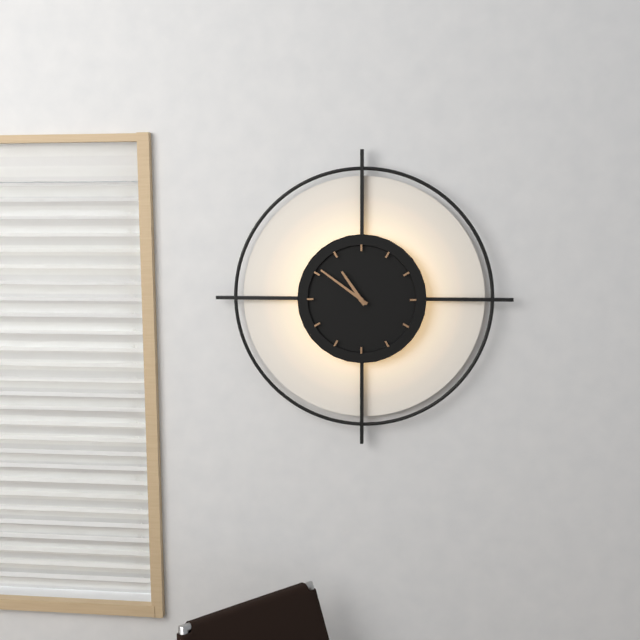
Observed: **10:51**
